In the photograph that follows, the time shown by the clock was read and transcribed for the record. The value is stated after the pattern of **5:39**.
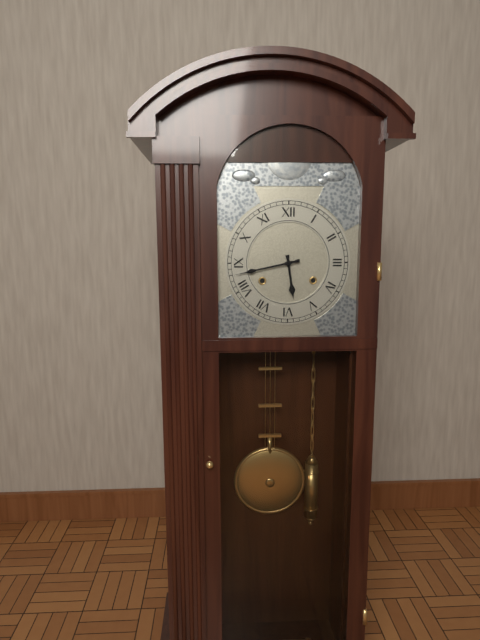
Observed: **5:43**
